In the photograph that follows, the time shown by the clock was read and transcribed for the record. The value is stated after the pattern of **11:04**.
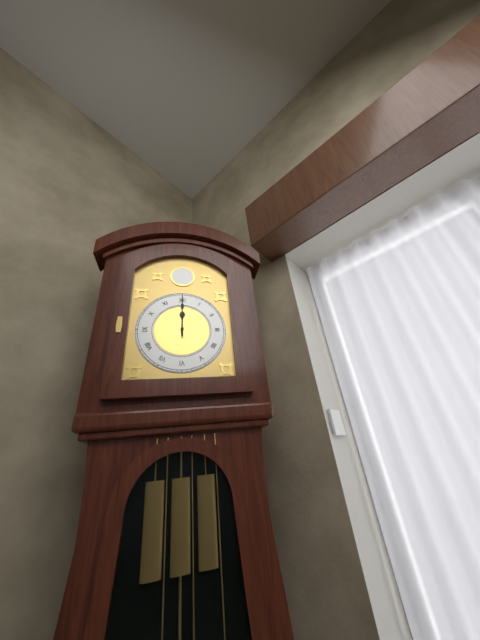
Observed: **12:00**
